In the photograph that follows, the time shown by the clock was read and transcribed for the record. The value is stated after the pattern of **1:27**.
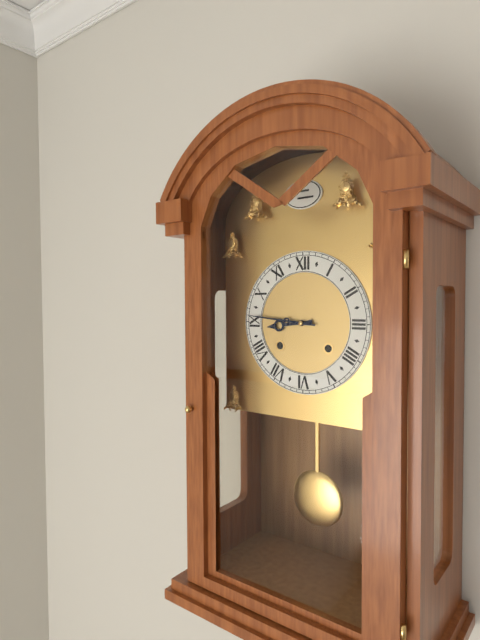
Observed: **8:46**
